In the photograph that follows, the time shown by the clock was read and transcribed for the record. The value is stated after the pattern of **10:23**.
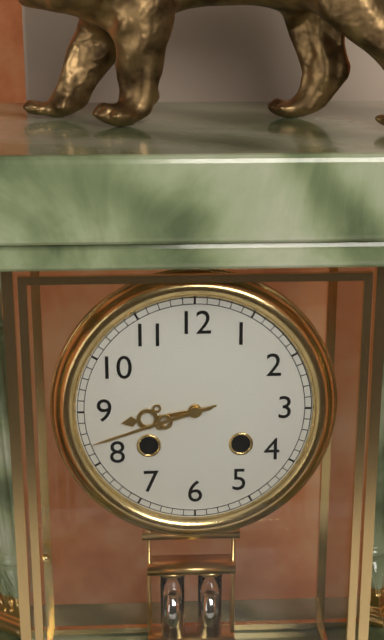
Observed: **8:42**
